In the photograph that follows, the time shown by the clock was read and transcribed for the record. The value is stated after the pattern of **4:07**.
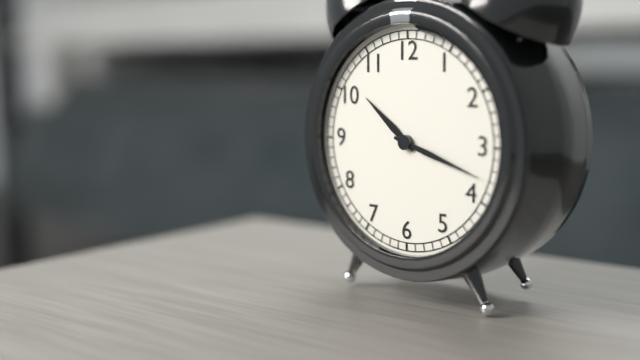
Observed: **10:18**
